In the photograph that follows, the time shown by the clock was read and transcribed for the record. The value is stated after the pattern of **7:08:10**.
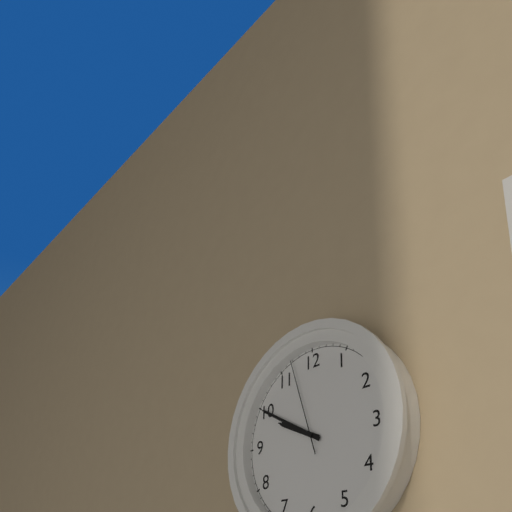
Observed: **9:50:57**
